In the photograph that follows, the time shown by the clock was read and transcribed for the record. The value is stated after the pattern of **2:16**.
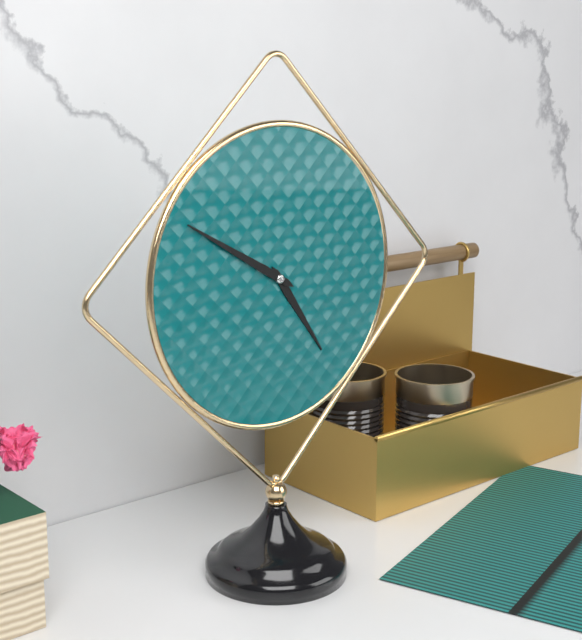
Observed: **4:50**
